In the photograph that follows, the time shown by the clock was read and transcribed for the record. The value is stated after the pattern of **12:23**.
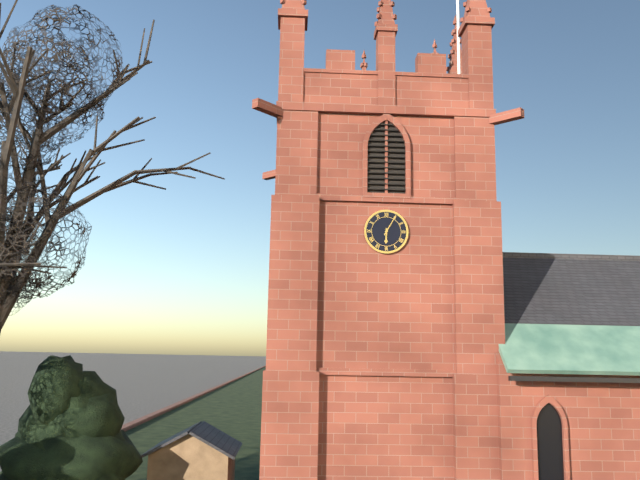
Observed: **6:05**
